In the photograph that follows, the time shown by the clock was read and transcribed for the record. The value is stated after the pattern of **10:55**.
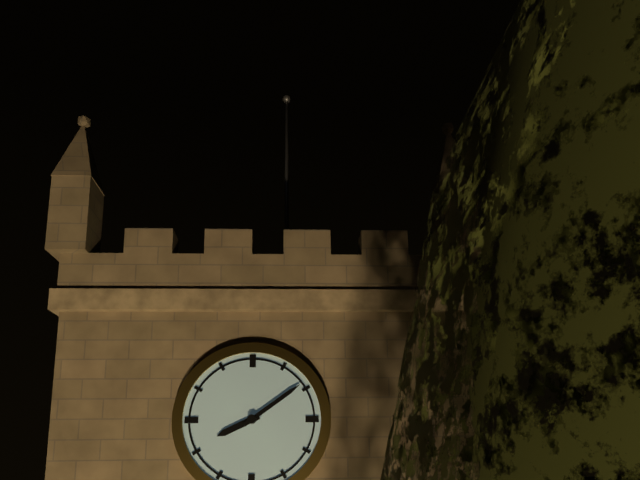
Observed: **8:09**
